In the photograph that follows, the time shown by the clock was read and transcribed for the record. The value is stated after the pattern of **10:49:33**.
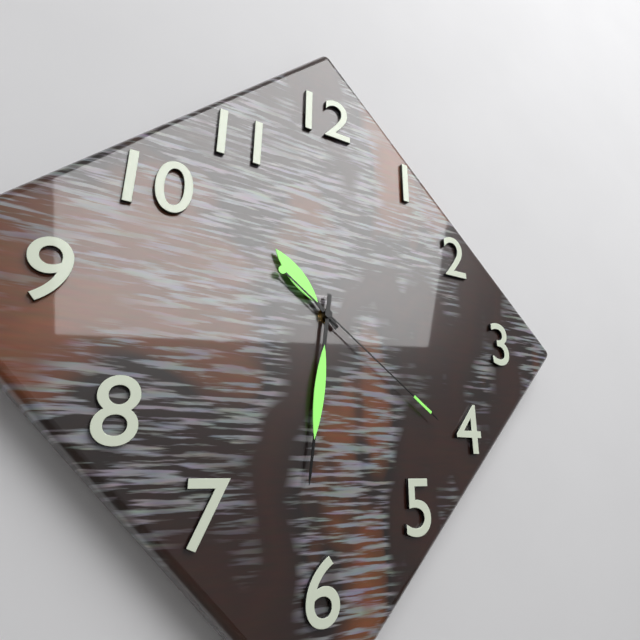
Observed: **10:31:21**
